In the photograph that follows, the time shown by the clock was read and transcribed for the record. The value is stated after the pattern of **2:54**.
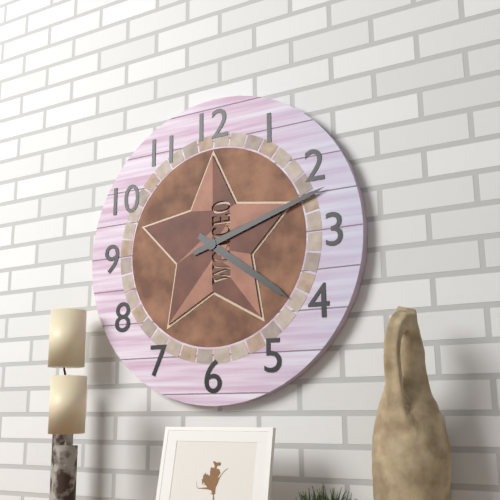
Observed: **4:12**
